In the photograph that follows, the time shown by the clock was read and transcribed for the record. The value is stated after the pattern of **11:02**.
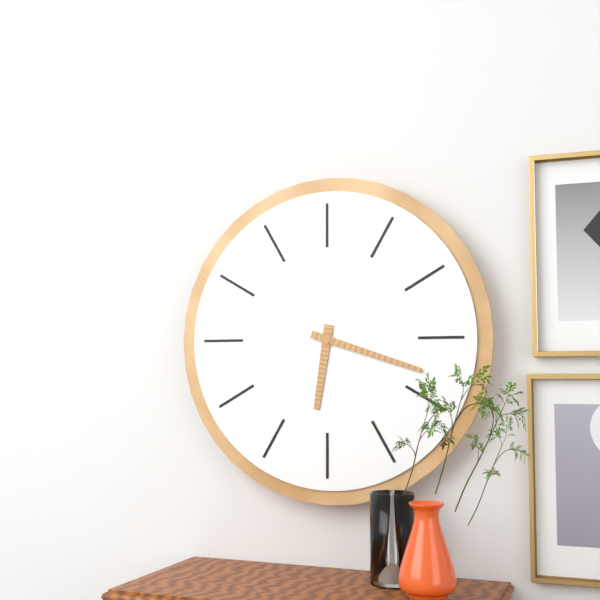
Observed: **6:18**
